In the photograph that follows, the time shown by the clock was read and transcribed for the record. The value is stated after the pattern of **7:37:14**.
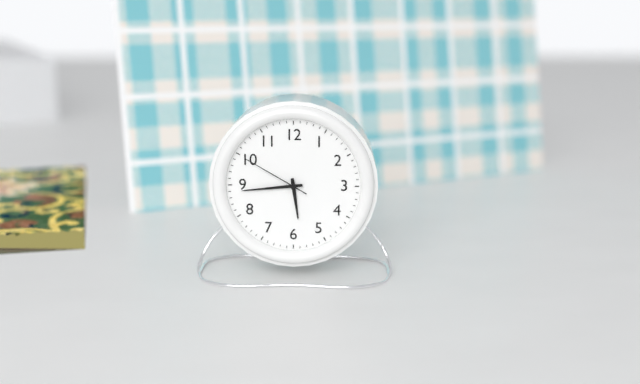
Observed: **5:44:50**
